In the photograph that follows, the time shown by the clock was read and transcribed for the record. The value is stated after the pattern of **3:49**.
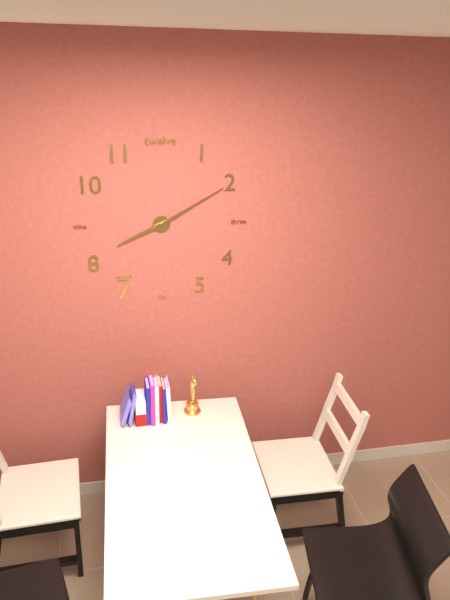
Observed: **8:10**
